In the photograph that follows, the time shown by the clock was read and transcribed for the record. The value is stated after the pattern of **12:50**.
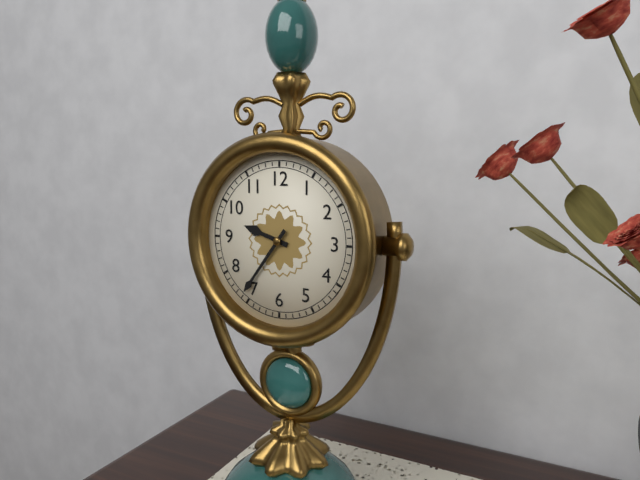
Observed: **9:36**
